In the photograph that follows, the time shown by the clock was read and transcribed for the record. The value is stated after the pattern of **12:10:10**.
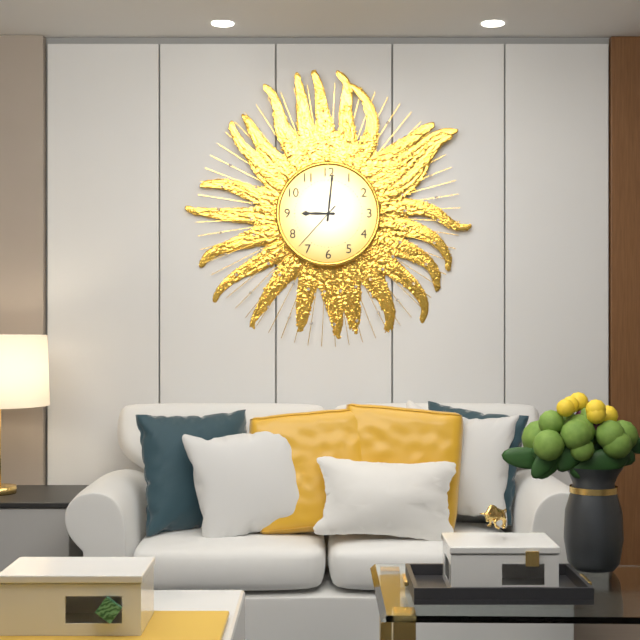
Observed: **9:01:37**
